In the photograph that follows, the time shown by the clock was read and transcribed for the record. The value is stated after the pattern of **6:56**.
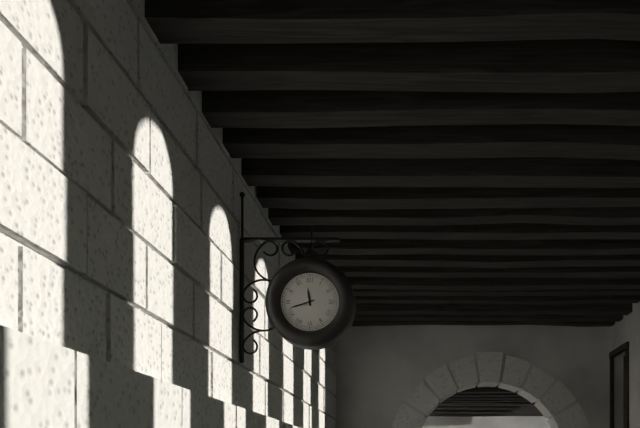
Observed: **11:42**
